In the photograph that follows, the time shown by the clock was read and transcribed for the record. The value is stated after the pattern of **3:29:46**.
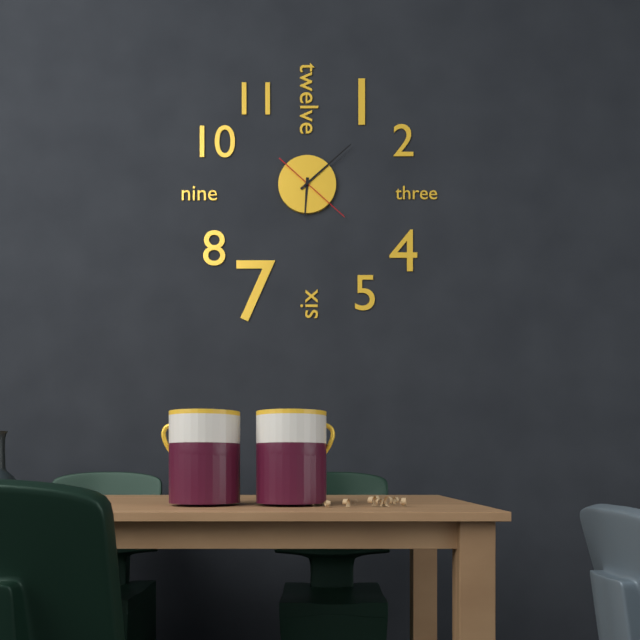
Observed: **6:08:22**
